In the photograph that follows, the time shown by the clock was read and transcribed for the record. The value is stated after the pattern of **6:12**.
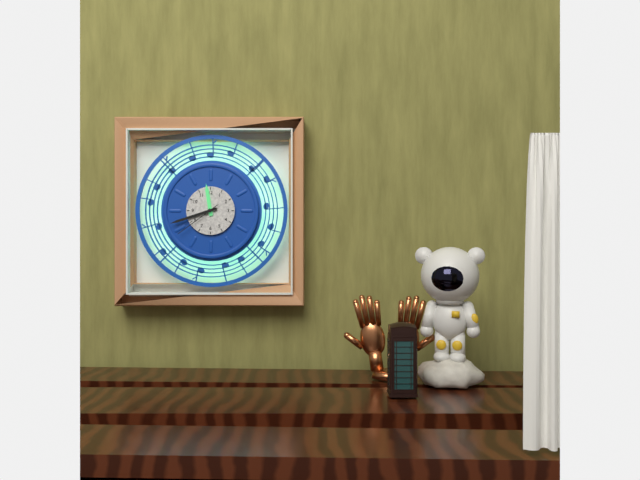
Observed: **11:42**
